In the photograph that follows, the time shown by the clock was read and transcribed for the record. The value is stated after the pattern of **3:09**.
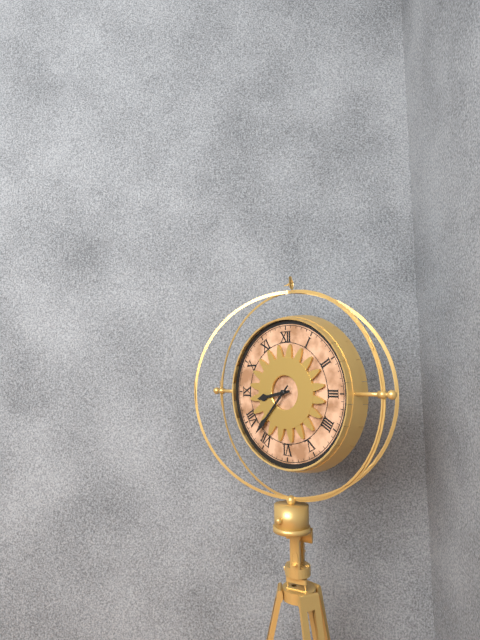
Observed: **8:37**
